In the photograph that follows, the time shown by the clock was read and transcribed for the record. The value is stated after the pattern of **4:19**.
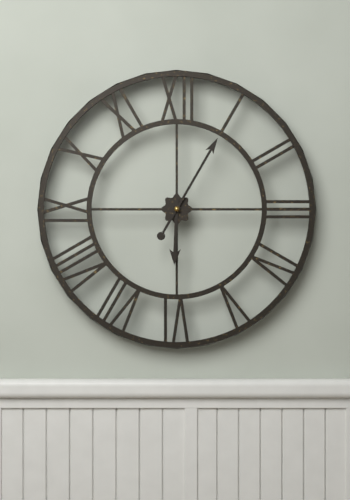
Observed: **6:05**
